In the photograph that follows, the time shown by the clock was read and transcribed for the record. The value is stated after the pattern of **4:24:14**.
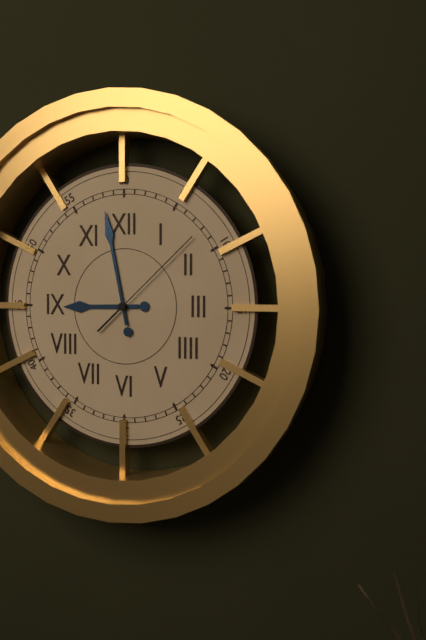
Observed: **8:58:08**
